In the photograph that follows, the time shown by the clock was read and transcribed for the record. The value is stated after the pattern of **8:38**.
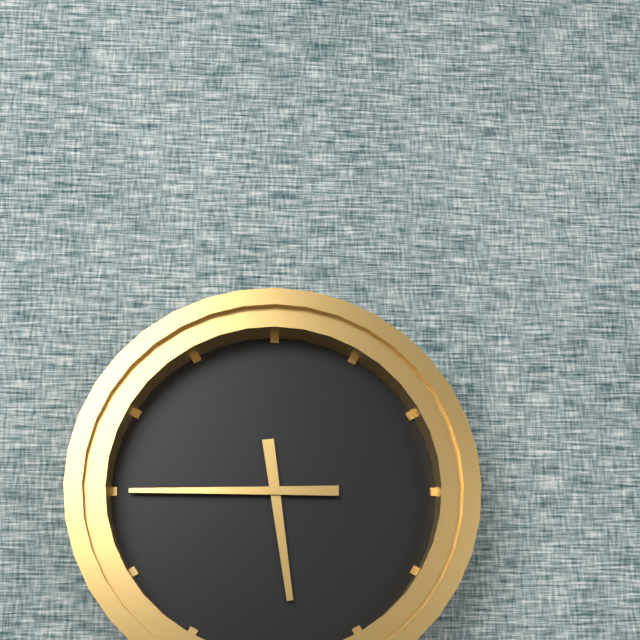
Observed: **5:45**
